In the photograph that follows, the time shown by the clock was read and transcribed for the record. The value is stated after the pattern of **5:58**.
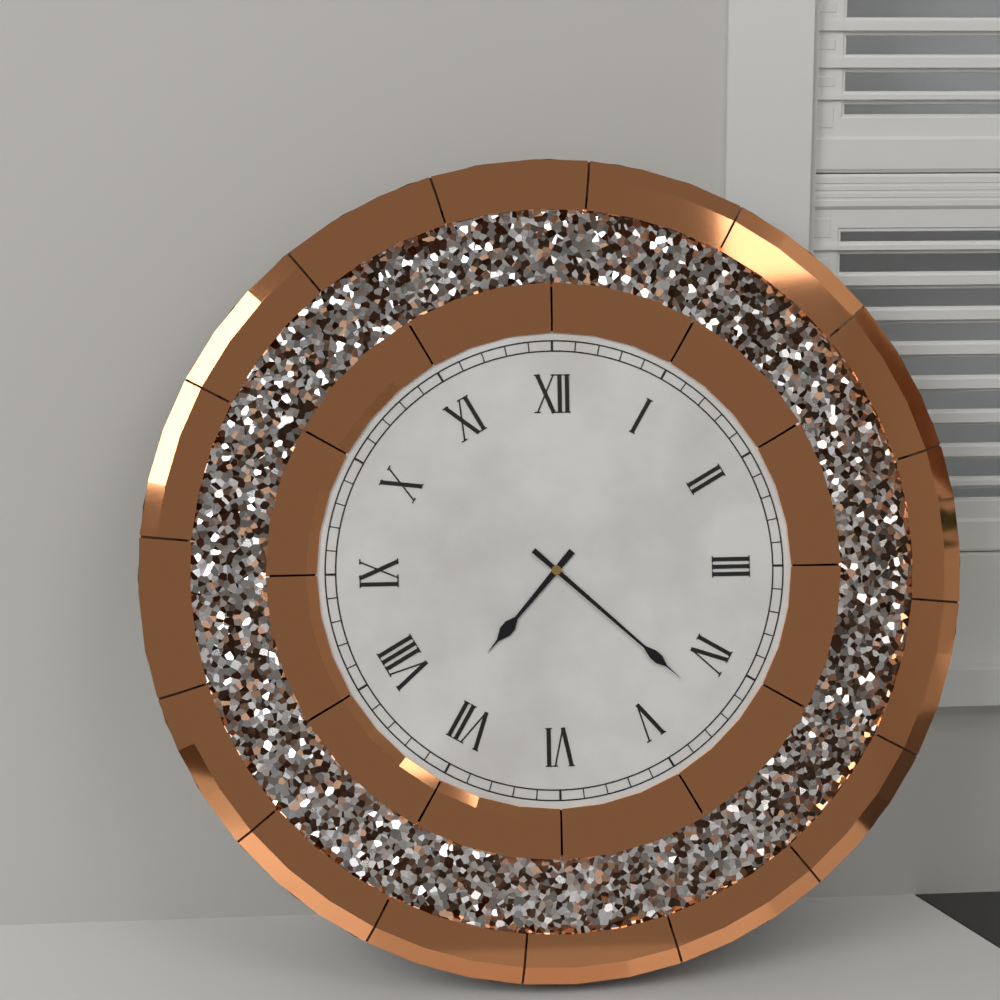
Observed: **7:22**
